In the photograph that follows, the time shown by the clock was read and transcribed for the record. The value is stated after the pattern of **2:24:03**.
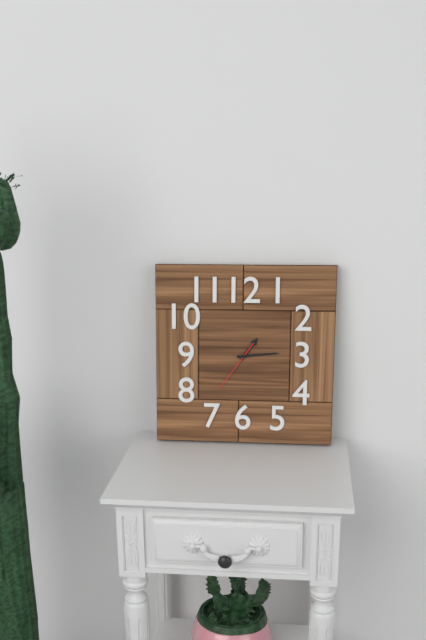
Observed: **1:14:36**
